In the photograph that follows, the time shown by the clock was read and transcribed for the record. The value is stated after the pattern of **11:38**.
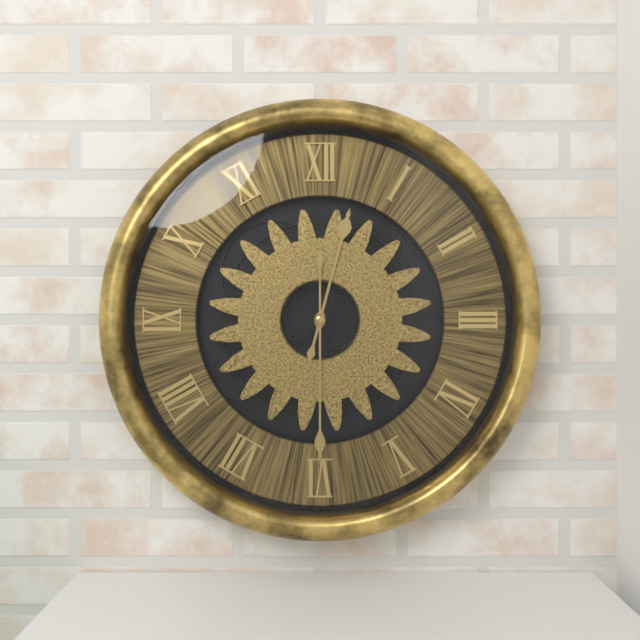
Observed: **12:30**
